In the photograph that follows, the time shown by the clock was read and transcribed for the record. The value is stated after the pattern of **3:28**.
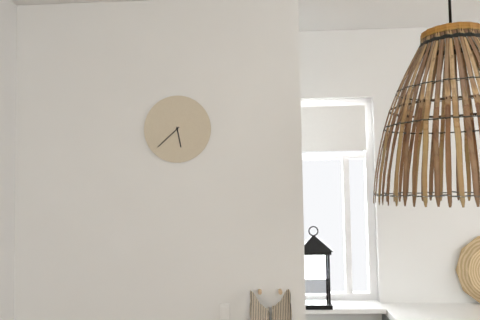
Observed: **5:38**
